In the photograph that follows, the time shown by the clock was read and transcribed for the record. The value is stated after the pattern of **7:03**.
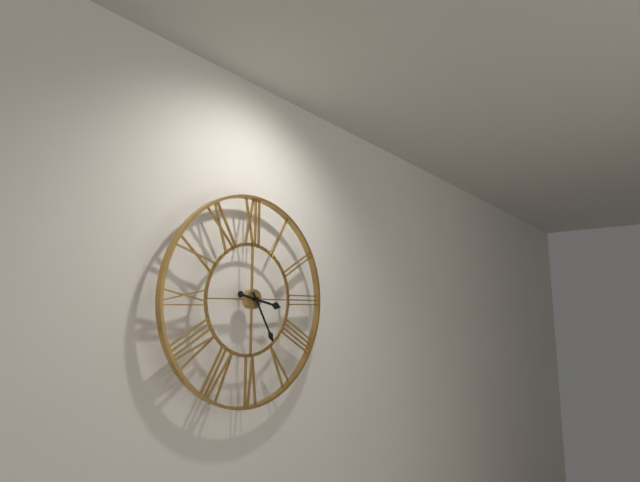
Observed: **3:25**
